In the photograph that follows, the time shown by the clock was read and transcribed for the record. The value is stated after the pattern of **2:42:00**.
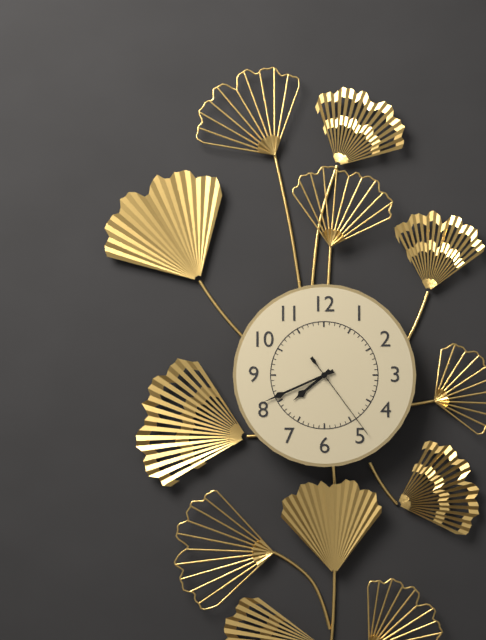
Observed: **7:41:24**
